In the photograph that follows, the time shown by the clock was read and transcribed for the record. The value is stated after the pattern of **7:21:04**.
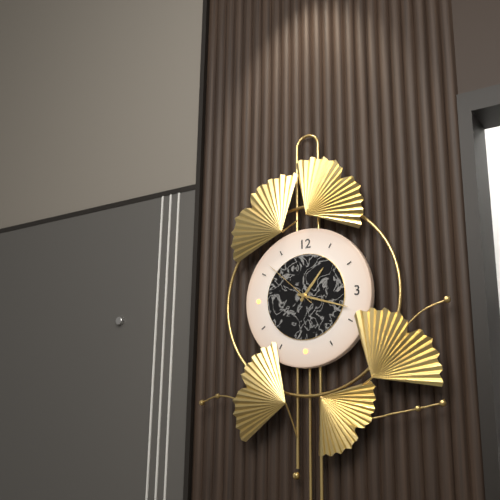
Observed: **1:18:52**
